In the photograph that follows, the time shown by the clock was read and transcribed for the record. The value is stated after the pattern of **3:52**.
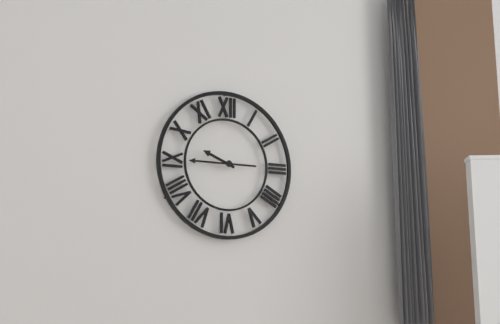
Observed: **9:45**
